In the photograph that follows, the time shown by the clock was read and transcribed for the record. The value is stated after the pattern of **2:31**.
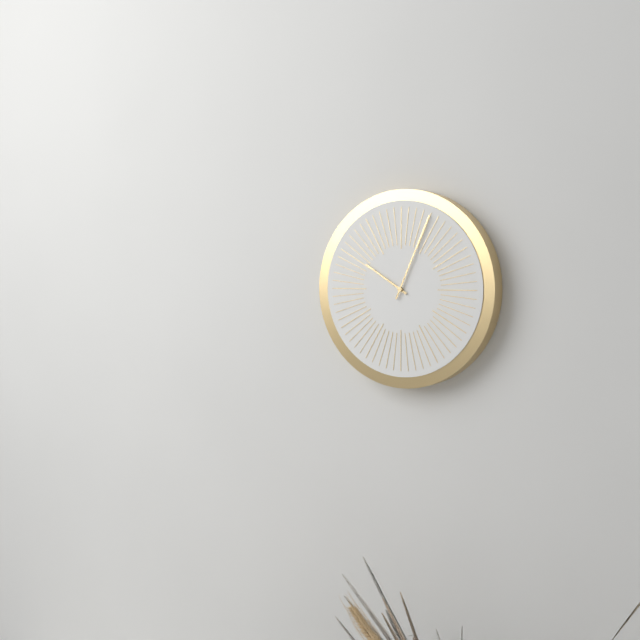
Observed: **10:04**
